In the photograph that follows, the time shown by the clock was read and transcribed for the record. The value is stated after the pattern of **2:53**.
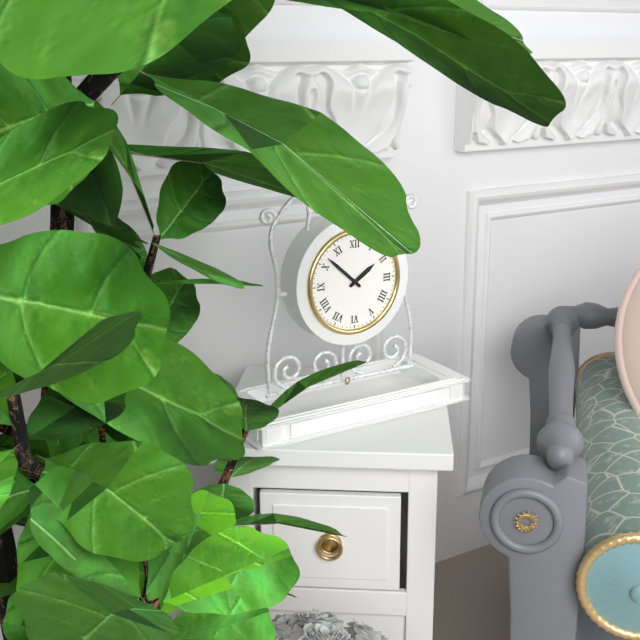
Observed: **1:52**
